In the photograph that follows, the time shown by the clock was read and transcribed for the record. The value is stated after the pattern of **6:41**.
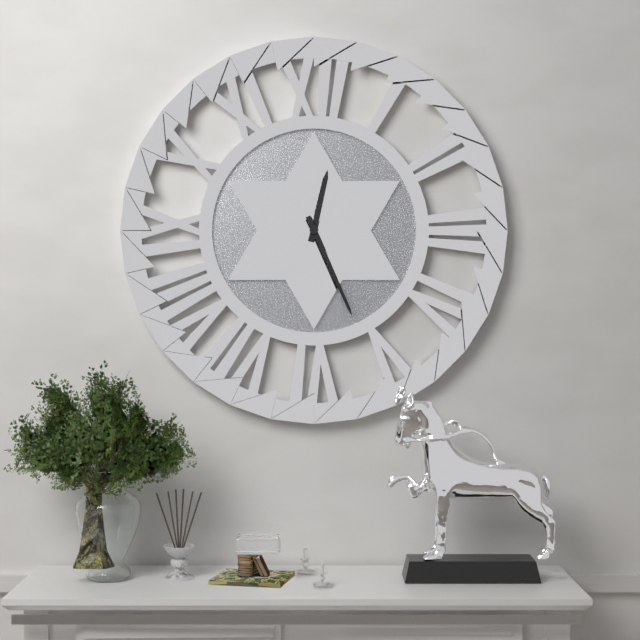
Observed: **12:26**
